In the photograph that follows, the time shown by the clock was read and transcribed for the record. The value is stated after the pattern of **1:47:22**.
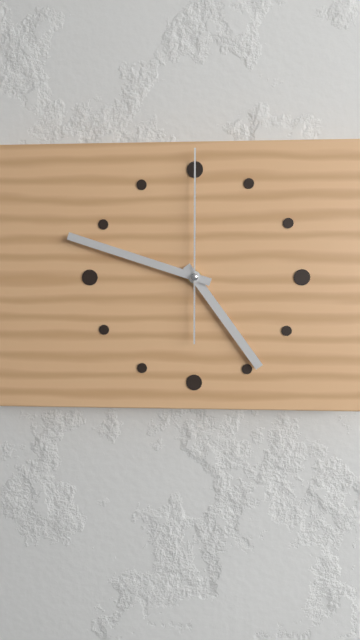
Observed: **4:48:00**
